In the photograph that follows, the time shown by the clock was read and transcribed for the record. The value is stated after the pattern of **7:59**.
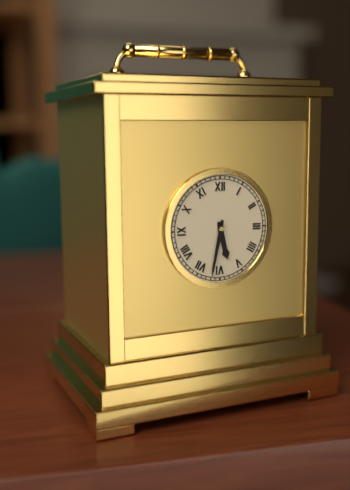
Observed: **5:32**
